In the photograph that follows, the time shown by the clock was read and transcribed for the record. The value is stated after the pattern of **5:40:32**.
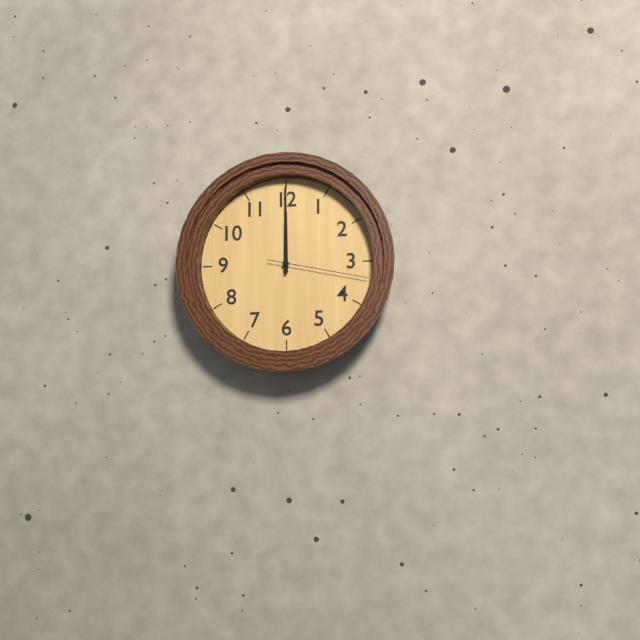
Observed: **12:00:17**
